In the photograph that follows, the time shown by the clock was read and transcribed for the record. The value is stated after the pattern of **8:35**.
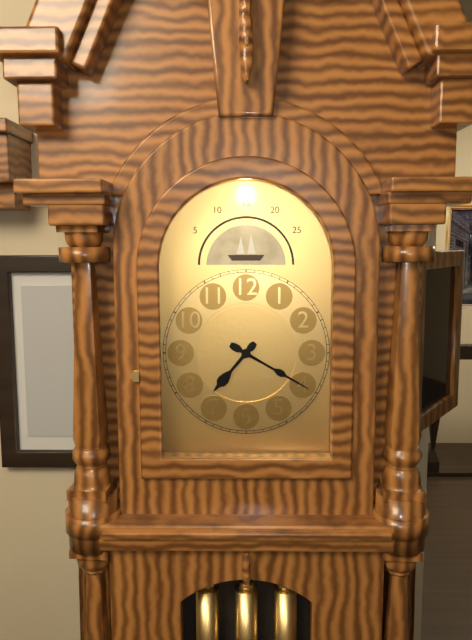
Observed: **7:20**
